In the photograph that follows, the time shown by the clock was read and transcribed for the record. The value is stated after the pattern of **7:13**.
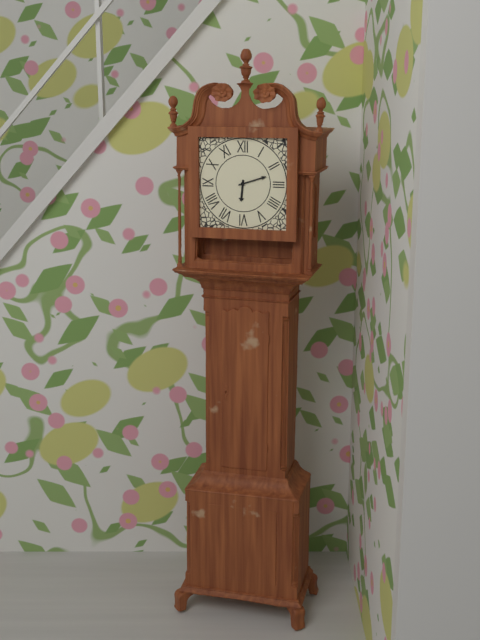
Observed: **6:12**
